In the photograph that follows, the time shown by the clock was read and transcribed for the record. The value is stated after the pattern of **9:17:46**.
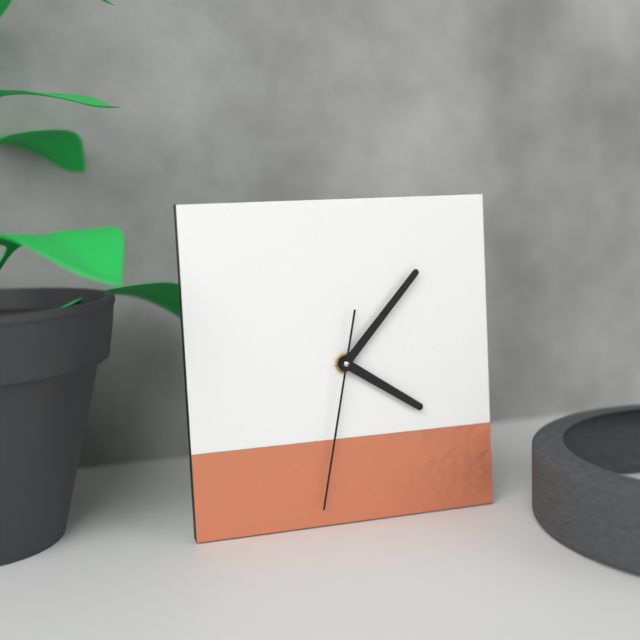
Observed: **4:07:32**
